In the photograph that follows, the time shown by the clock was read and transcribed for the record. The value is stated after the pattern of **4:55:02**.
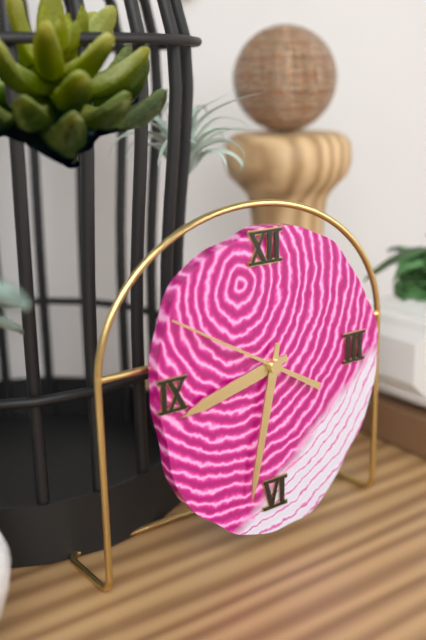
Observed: **8:32:50**
